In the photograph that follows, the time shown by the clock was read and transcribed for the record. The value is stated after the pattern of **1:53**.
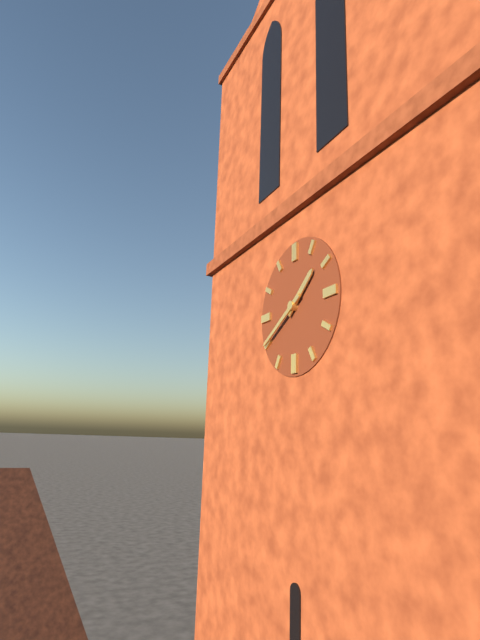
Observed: **1:40**
